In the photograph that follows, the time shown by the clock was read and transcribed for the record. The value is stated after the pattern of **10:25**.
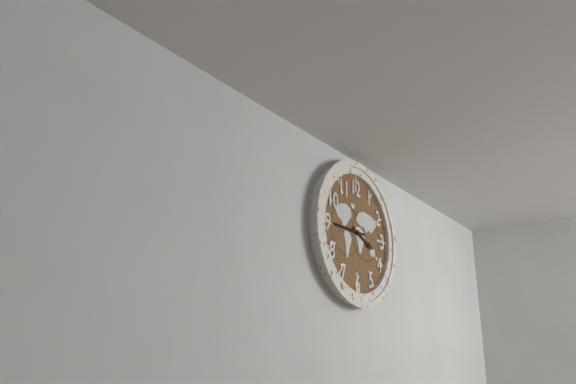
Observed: **3:45**
